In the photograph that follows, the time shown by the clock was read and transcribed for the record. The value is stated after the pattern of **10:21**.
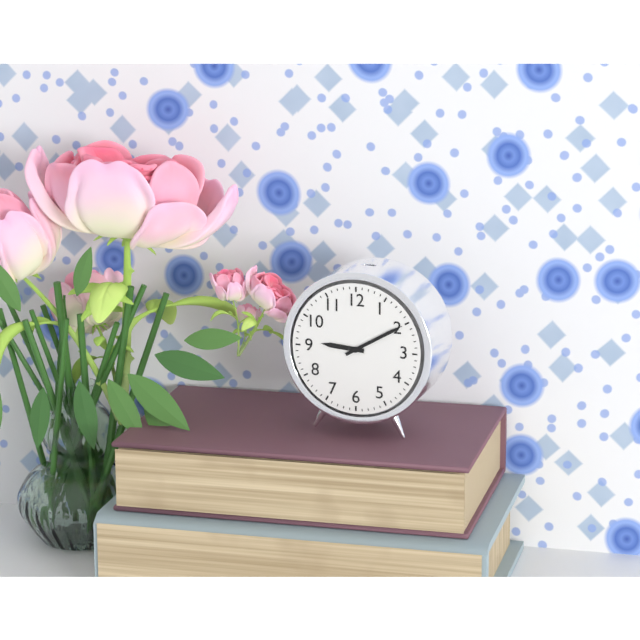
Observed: **9:10**
